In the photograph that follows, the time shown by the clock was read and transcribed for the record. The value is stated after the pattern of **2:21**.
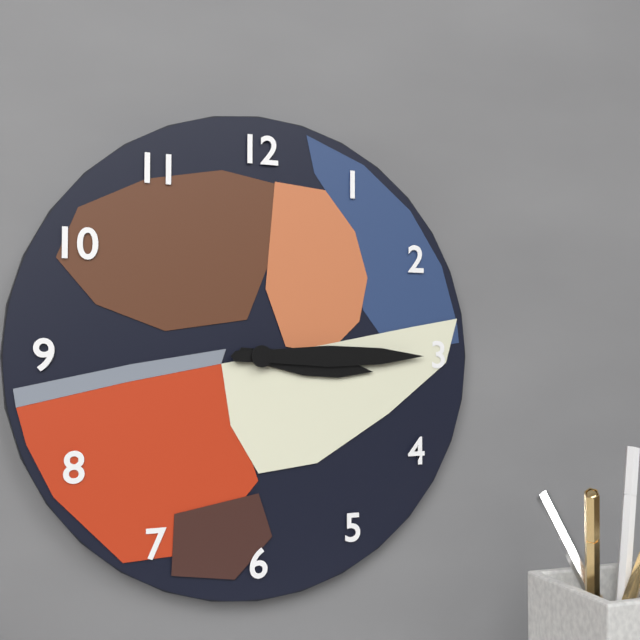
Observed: **3:15**
